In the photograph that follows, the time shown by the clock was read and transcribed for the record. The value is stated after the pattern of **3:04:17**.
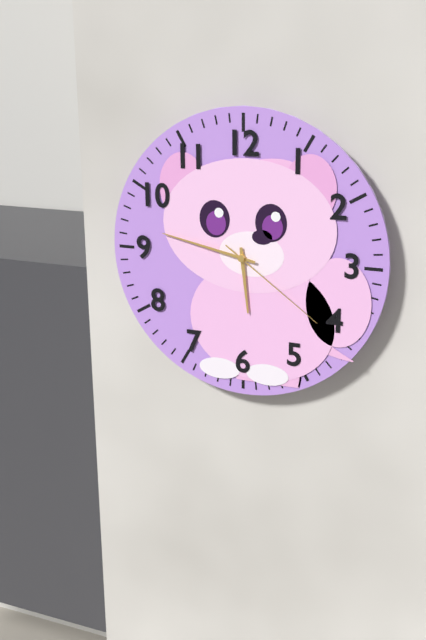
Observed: **5:47:21**
